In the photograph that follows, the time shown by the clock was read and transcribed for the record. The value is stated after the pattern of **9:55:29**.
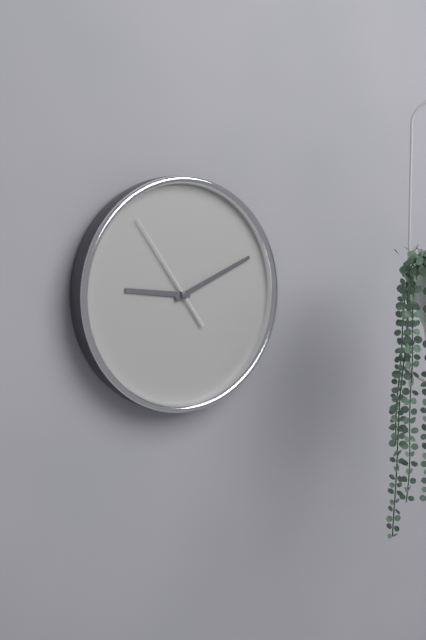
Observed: **9:11:54**
